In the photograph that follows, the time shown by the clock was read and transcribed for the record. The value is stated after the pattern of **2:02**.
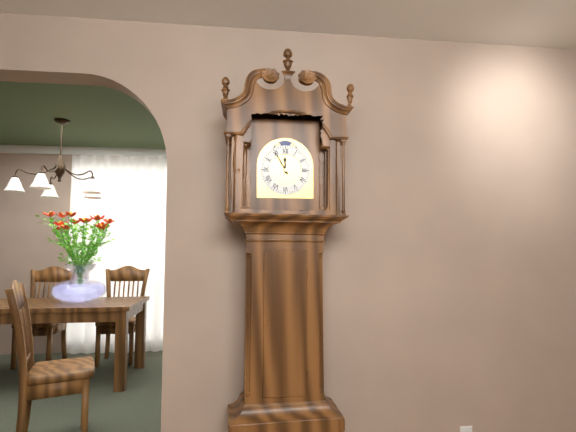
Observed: **11:55**
